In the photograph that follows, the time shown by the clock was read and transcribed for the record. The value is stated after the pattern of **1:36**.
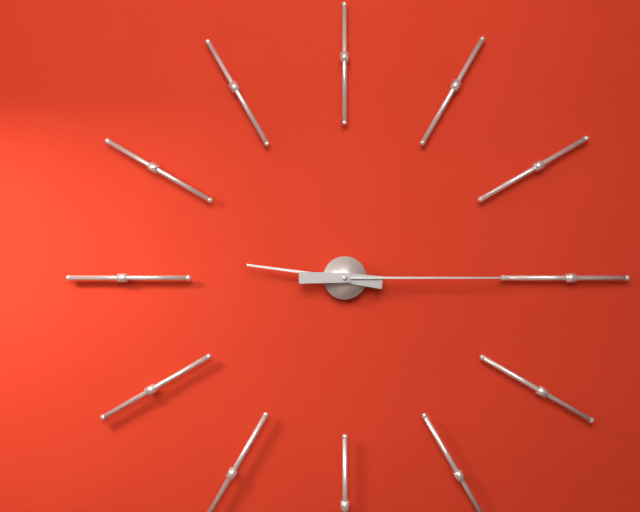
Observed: **9:15**
